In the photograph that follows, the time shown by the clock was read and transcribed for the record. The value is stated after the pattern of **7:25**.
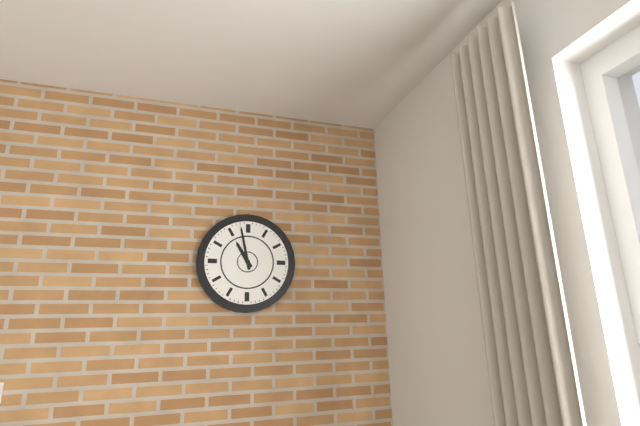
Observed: **10:58**
